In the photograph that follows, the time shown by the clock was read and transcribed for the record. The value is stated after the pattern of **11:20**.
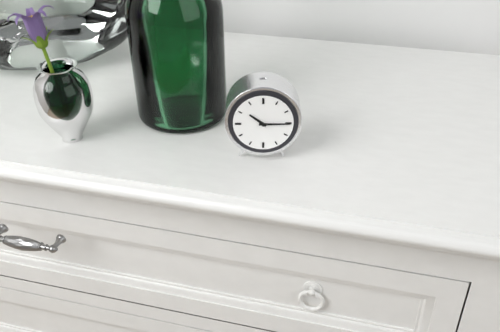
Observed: **10:15**
